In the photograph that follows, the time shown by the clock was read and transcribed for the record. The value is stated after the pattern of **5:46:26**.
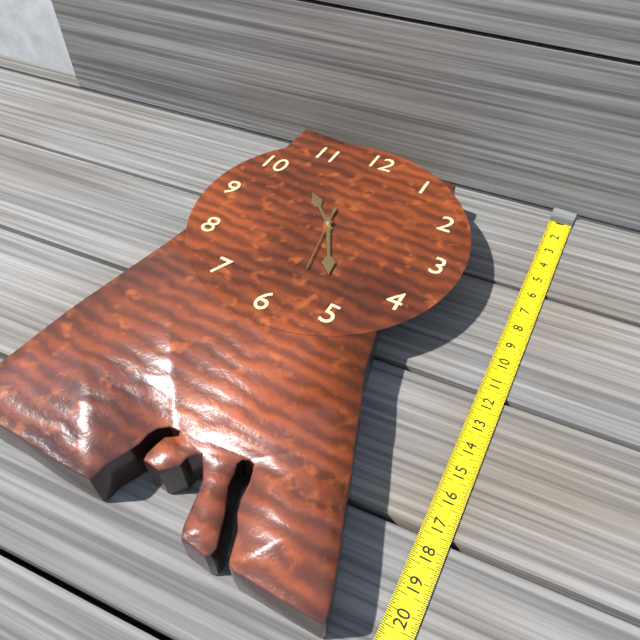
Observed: **10:25:28**
